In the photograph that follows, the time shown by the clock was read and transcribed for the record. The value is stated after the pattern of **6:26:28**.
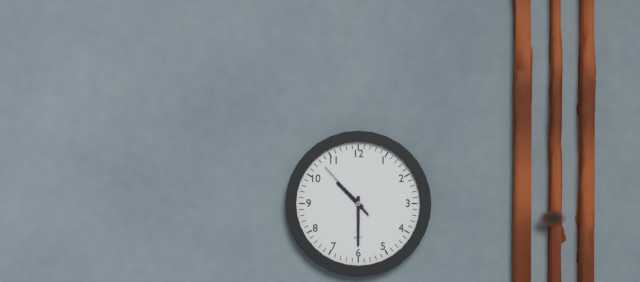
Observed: **10:30:53**
